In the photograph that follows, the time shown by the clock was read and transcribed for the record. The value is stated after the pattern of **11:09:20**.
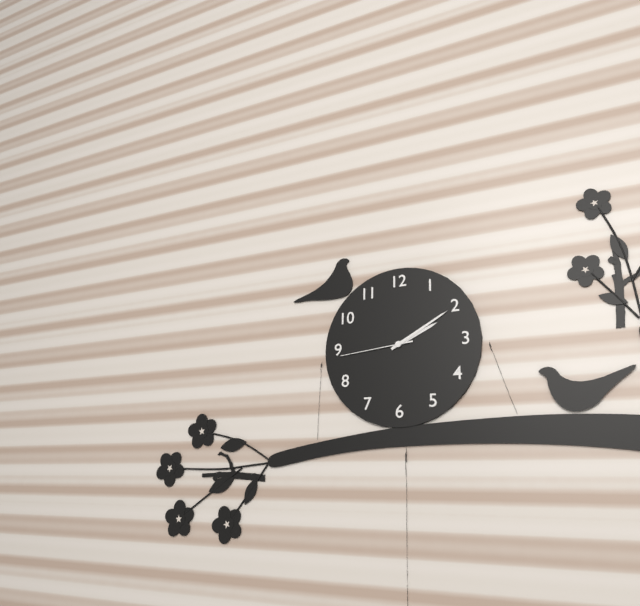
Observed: **2:10:44**
